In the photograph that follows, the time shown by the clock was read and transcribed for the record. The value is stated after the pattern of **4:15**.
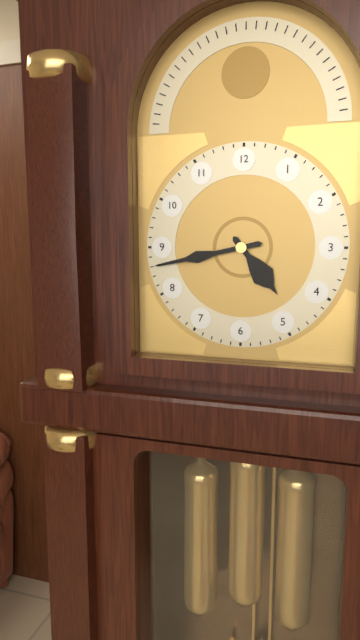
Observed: **4:43**
